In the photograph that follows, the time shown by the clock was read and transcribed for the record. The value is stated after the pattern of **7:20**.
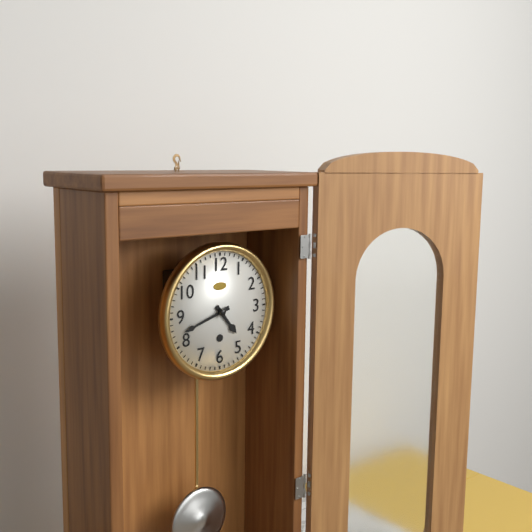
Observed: **4:42**
